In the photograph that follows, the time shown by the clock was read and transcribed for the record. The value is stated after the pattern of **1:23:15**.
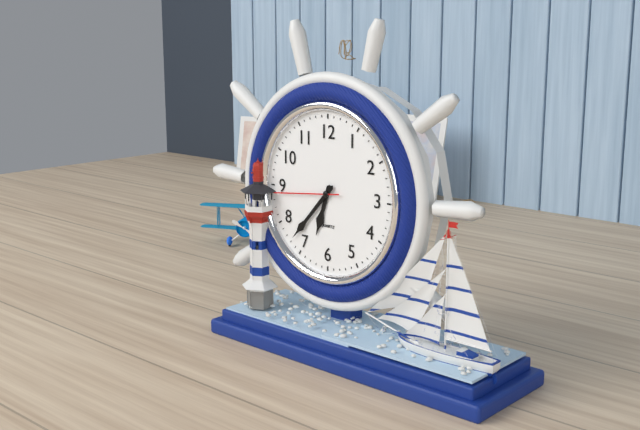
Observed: **6:37:44**
